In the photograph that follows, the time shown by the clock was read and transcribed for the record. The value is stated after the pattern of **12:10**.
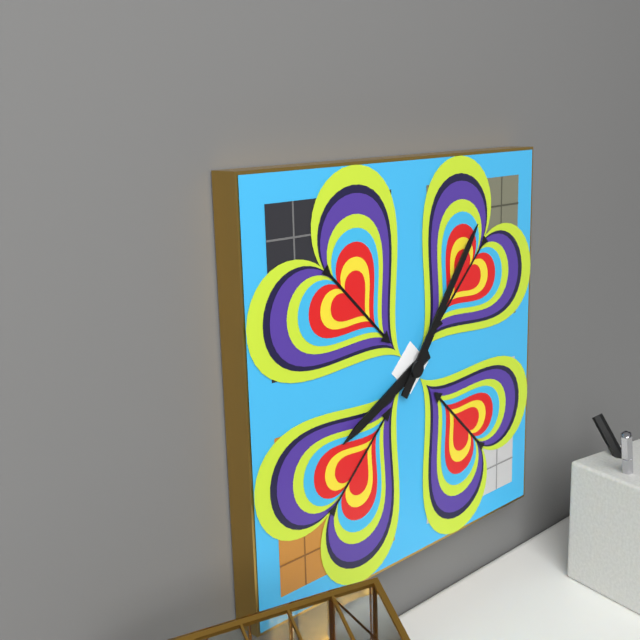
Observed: **8:06**
